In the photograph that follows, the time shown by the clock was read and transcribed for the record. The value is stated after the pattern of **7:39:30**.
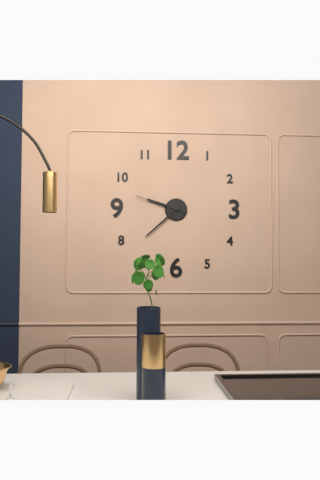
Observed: **9:38:48**
